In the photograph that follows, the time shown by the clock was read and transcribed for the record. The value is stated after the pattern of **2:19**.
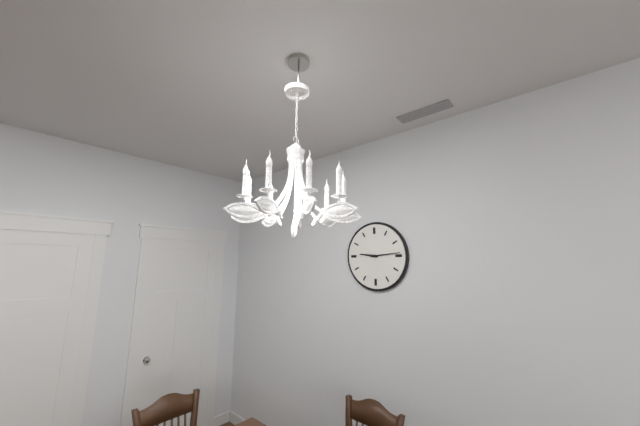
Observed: **9:14**
